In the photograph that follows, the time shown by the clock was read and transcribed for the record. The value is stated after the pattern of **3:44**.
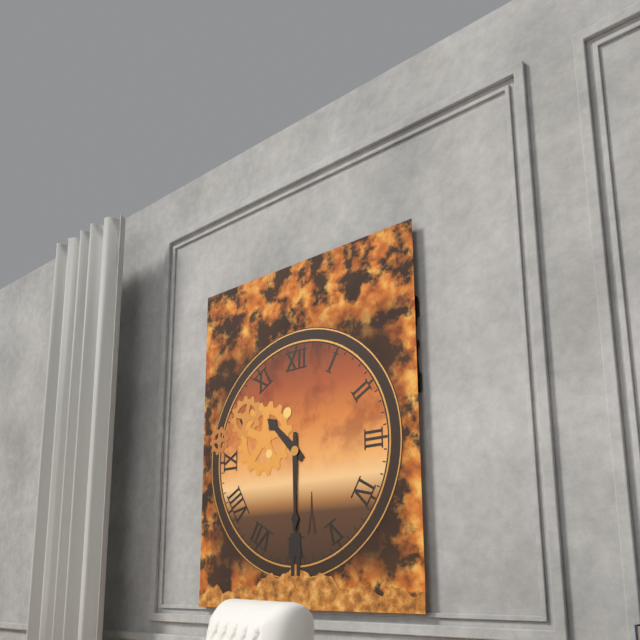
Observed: **10:30**
